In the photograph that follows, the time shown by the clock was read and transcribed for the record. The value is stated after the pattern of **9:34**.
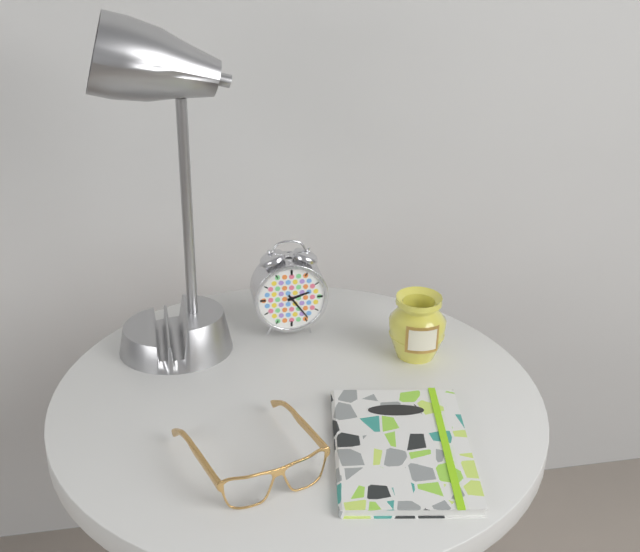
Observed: **2:24**
